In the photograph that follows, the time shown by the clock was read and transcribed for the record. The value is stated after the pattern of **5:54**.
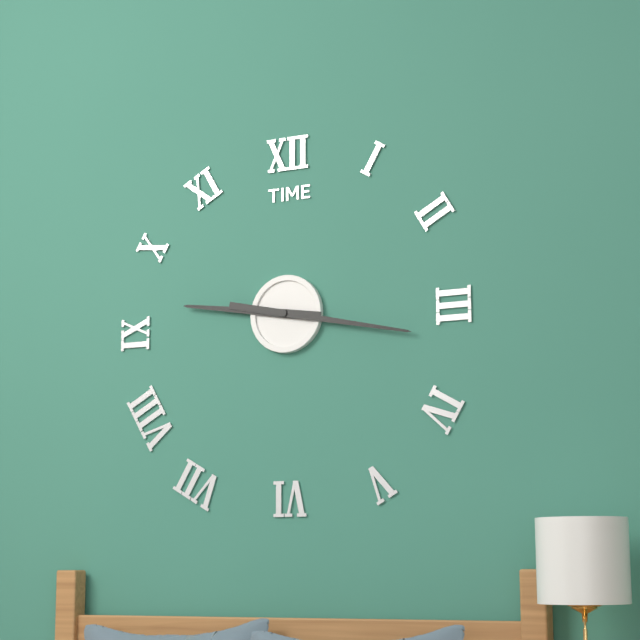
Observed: **9:17**
